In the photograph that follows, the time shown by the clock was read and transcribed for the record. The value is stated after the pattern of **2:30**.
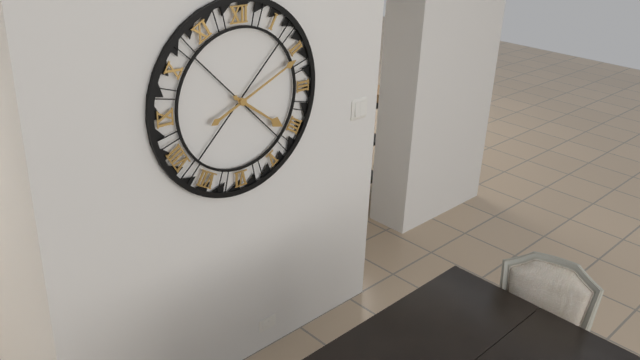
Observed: **4:11**
